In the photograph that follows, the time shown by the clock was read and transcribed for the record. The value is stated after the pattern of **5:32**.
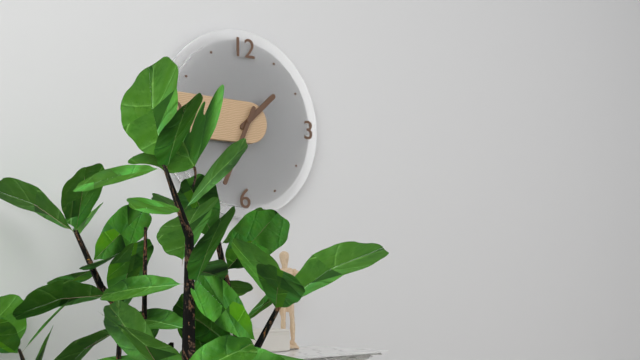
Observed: **1:34**
